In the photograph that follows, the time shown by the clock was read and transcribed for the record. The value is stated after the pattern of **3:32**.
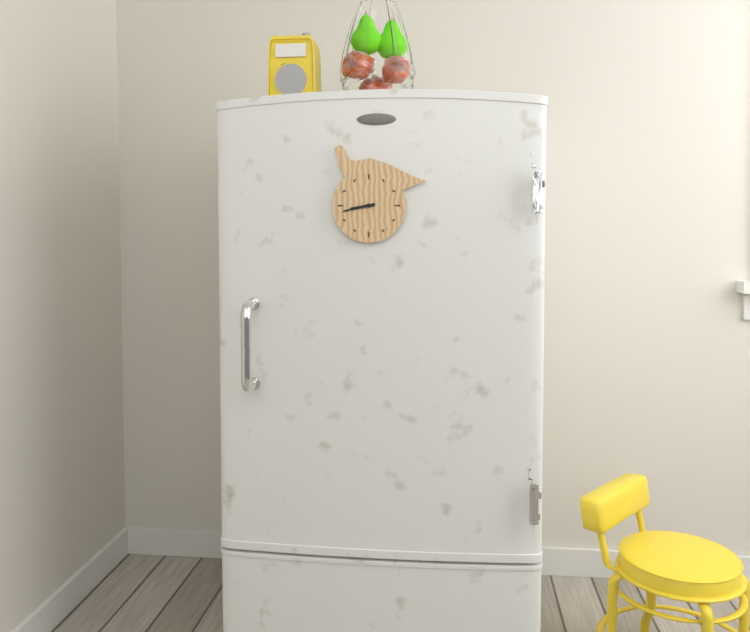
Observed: **8:43**
